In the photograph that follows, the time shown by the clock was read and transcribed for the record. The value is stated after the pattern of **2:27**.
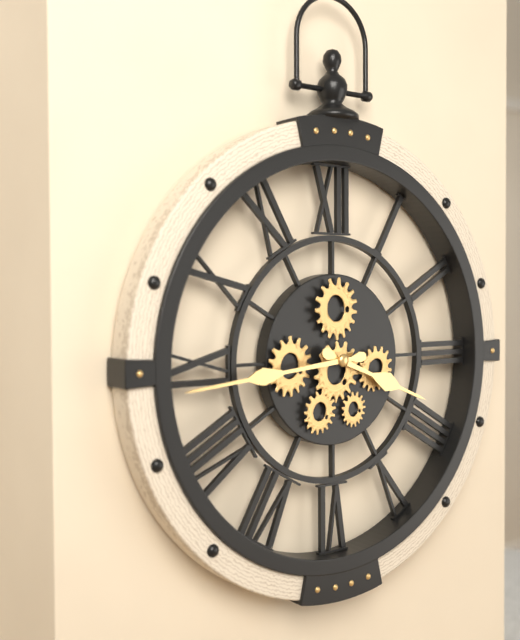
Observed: **3:44**
